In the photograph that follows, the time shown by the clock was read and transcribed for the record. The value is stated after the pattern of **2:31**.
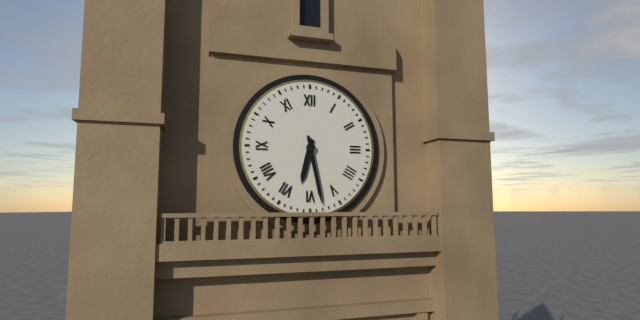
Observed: **6:28**
